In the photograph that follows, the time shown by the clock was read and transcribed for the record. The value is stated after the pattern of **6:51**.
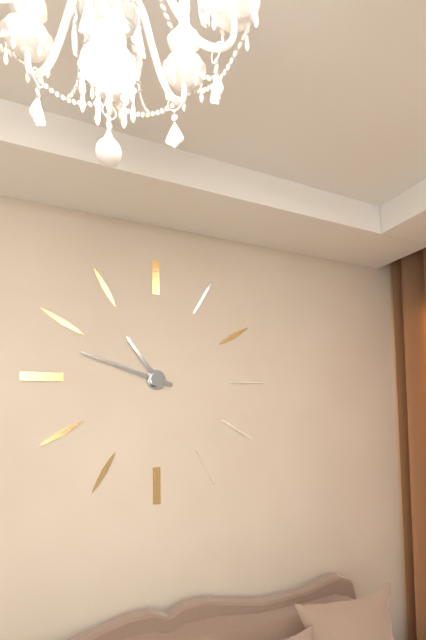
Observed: **10:48**
